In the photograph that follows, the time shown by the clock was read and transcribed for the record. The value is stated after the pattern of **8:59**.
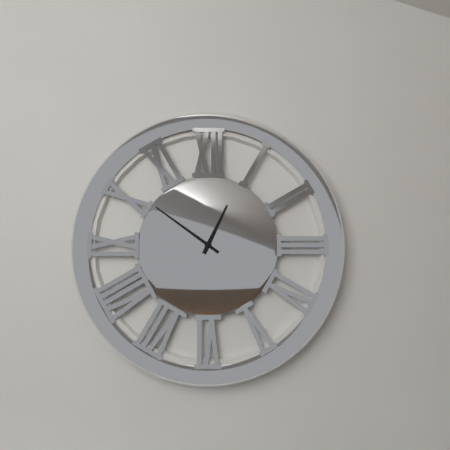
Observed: **12:51**
